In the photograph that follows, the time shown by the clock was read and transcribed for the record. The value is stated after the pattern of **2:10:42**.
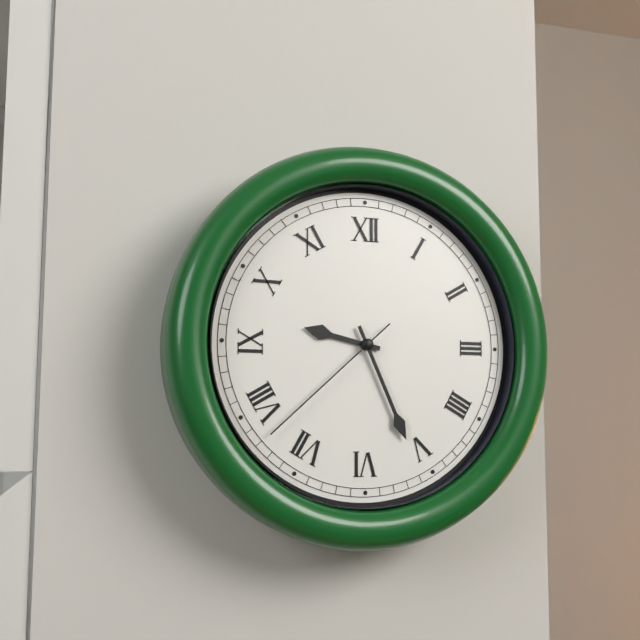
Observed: **9:26:38**
